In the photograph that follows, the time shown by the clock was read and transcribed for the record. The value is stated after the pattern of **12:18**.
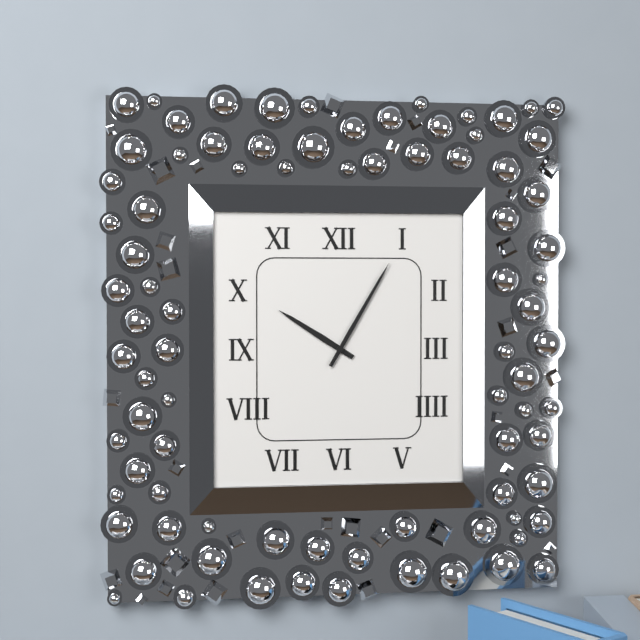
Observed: **10:05**
